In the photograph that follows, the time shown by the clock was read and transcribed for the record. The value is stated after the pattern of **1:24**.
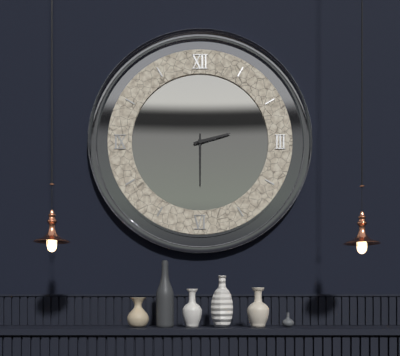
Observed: **2:30**
